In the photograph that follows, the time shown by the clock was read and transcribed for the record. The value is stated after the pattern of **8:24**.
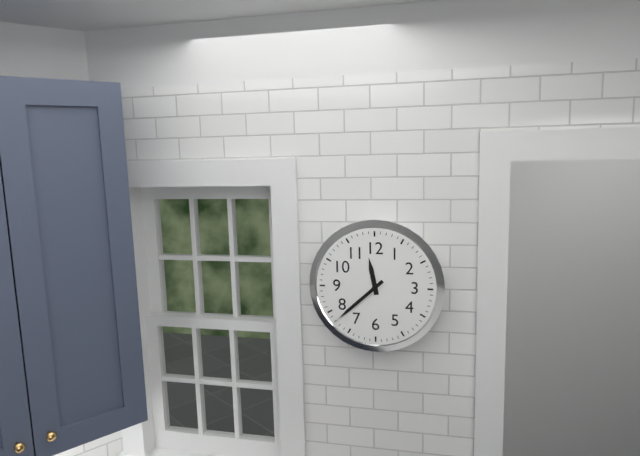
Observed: **11:38**
